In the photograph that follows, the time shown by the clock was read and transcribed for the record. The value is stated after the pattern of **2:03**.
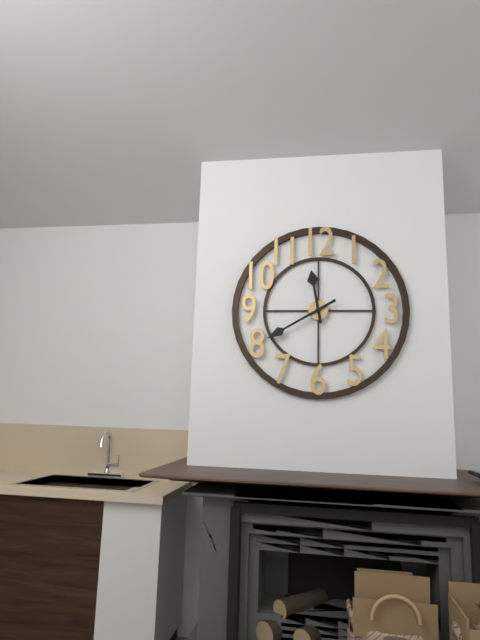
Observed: **11:40**
